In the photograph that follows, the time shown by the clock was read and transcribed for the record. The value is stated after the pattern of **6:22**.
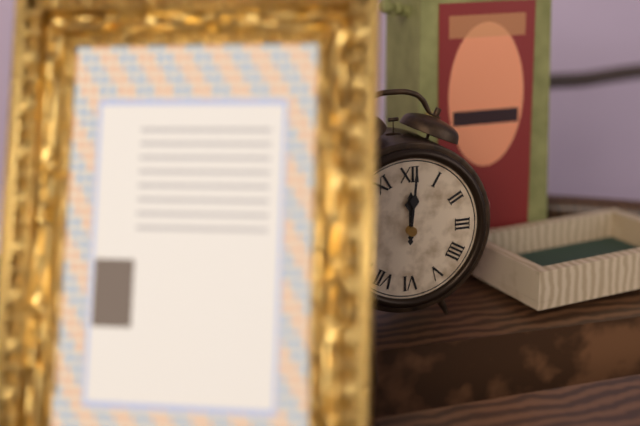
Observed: **12:01**
